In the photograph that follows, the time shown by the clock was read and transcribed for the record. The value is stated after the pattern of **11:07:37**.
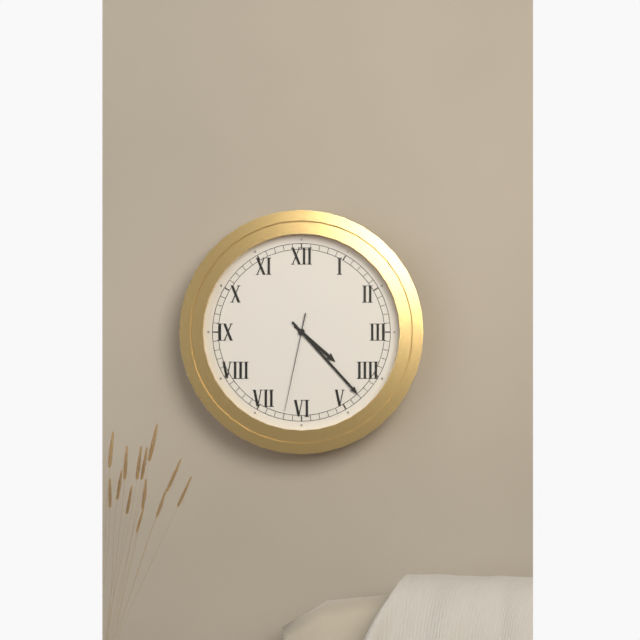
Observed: **4:23:32**
